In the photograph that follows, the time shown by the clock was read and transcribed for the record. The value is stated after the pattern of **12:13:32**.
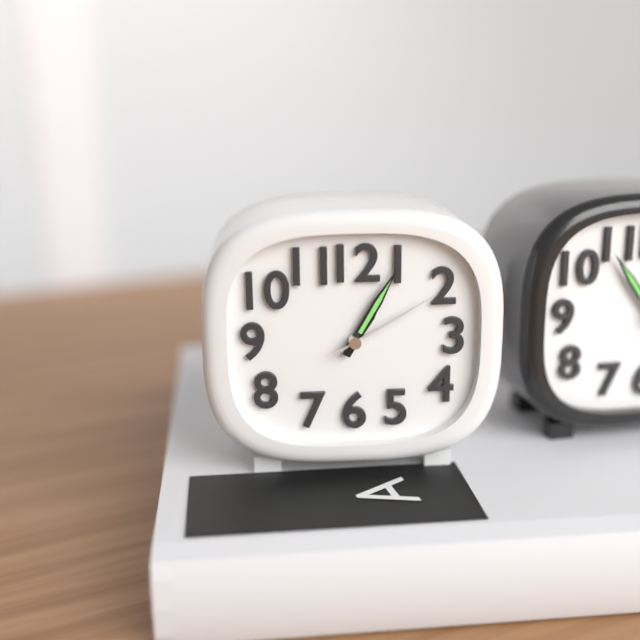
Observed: **1:05:10**
